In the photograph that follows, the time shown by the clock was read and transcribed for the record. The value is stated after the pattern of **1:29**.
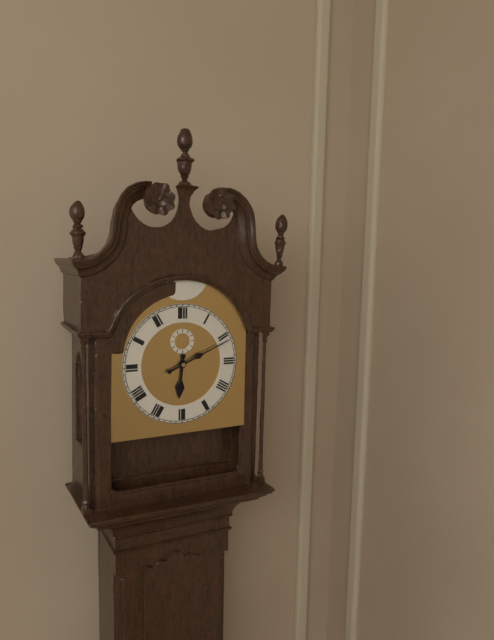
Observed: **6:11**
